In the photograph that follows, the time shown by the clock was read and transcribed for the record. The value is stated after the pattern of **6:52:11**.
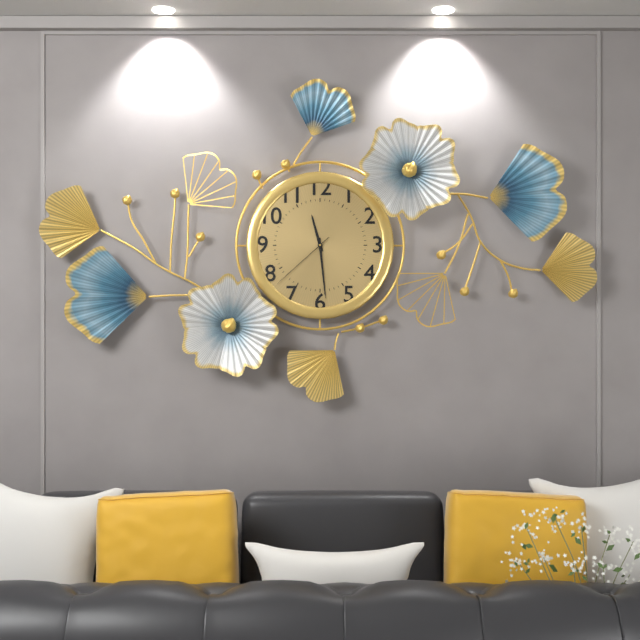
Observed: **11:29:38**
